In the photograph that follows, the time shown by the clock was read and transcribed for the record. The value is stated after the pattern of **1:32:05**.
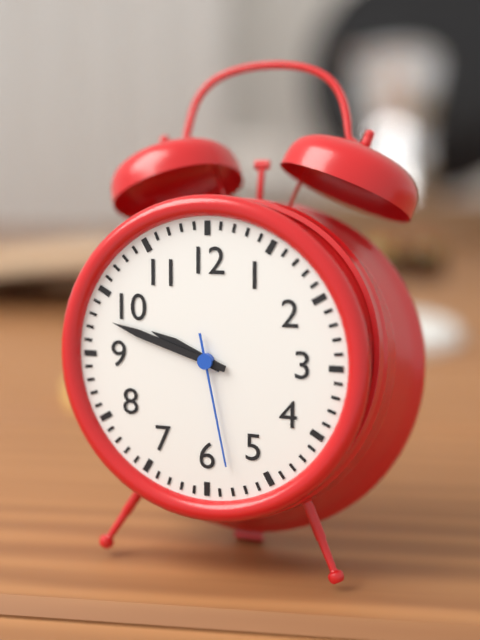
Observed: **9:48:28**
